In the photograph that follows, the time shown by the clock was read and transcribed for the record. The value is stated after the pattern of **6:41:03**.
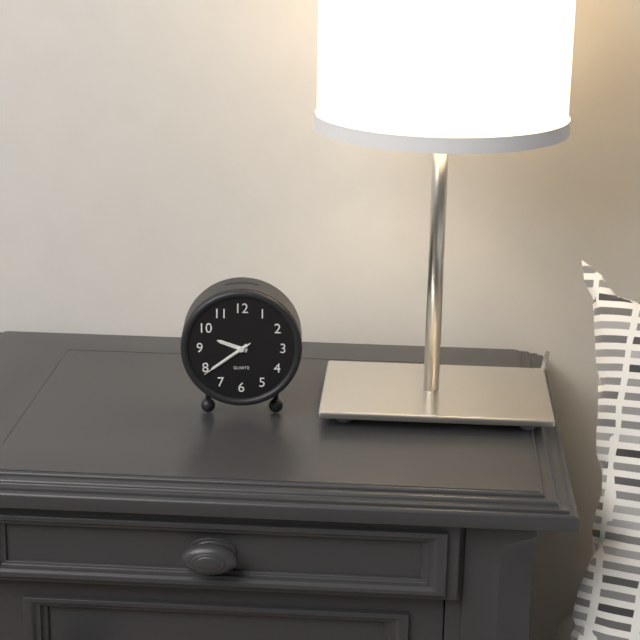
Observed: **9:39:39**
